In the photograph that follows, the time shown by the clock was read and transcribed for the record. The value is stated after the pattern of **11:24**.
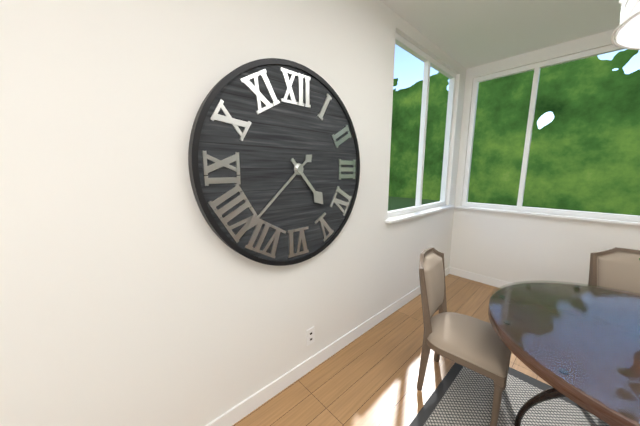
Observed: **4:38**
